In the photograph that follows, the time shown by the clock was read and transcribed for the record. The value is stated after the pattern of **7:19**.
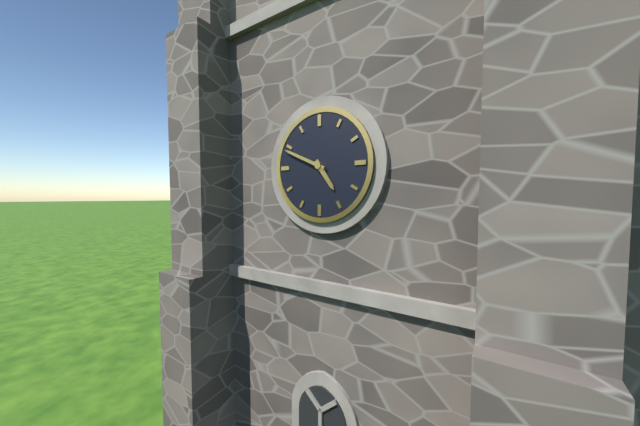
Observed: **4:49**
